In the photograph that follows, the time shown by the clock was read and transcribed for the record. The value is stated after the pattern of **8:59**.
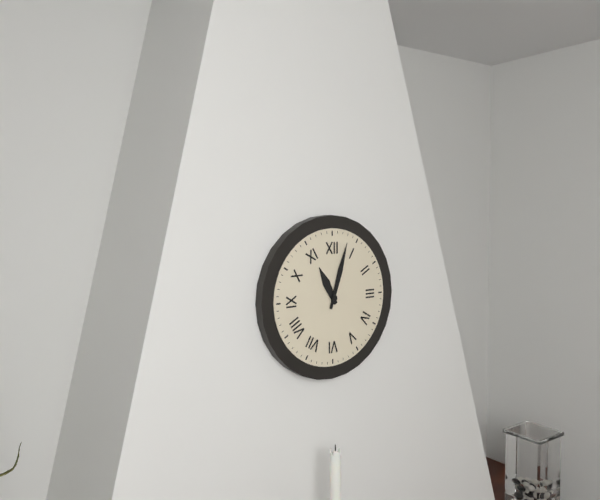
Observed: **11:03**
